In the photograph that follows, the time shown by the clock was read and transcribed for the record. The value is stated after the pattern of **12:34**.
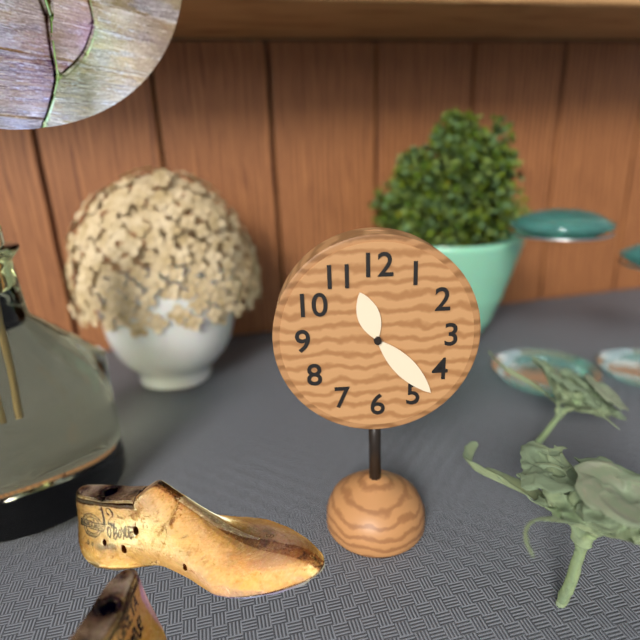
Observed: **11:23**
